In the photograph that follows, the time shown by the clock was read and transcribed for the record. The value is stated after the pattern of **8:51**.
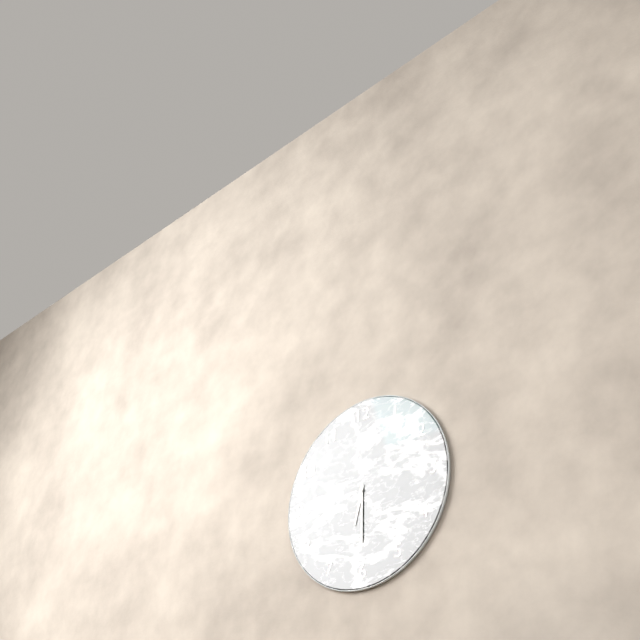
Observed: **6:30**
